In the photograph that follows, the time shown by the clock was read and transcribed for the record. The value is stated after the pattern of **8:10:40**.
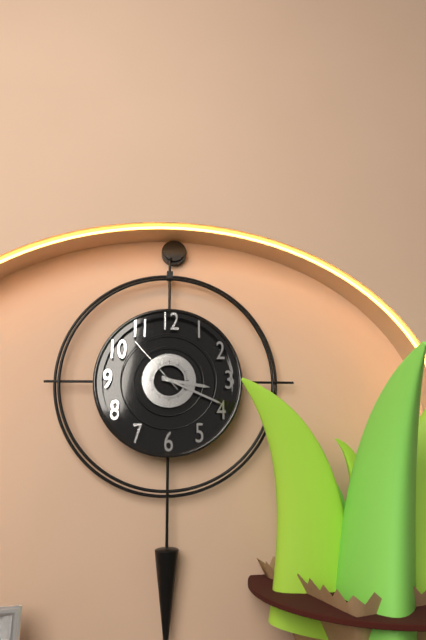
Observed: **3:19:53**
